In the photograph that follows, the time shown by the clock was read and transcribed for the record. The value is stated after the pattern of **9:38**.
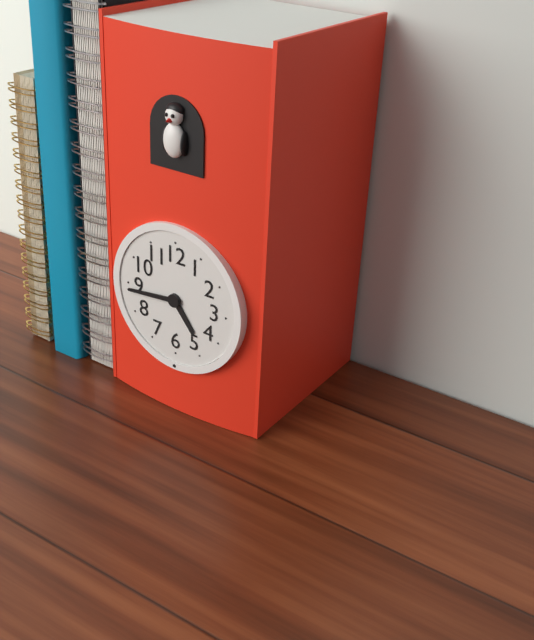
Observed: **4:44**
